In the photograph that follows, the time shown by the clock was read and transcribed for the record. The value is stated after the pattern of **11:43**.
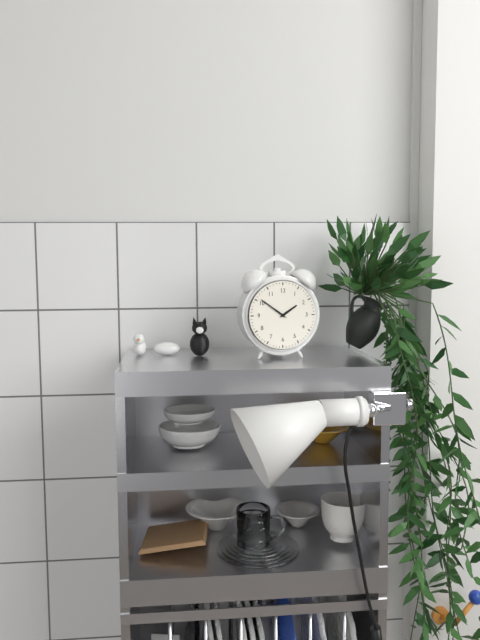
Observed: **1:51**
